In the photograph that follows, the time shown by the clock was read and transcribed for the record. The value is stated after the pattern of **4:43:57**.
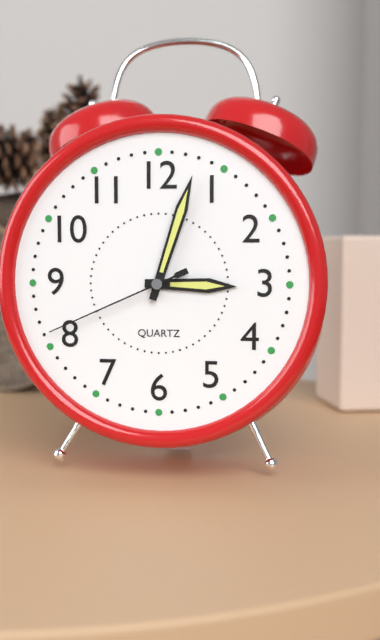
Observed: **3:03:41**
